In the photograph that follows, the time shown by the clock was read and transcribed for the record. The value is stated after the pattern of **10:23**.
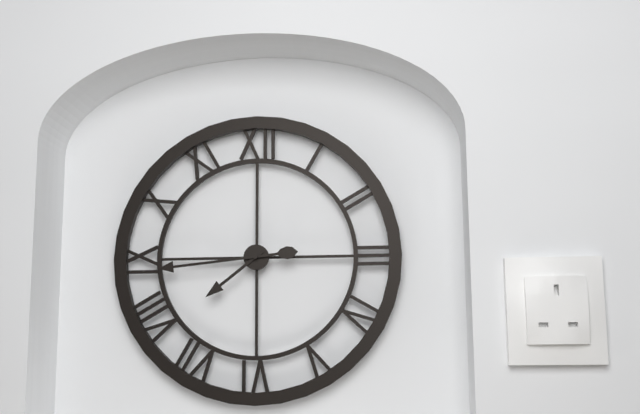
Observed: **7:44**
